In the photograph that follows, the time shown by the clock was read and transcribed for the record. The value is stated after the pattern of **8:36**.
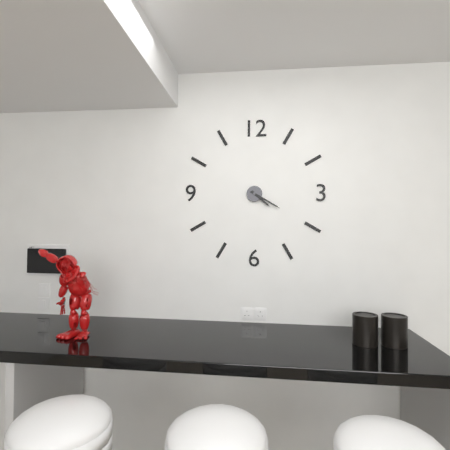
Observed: **4:20**
